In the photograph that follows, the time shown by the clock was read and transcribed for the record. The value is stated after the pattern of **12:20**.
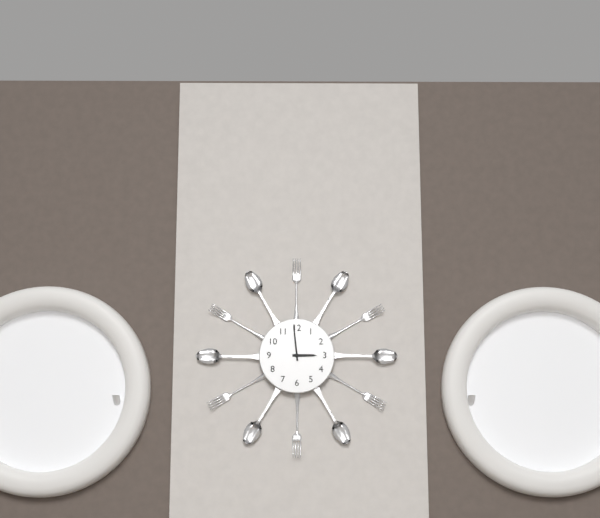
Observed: **2:59**
